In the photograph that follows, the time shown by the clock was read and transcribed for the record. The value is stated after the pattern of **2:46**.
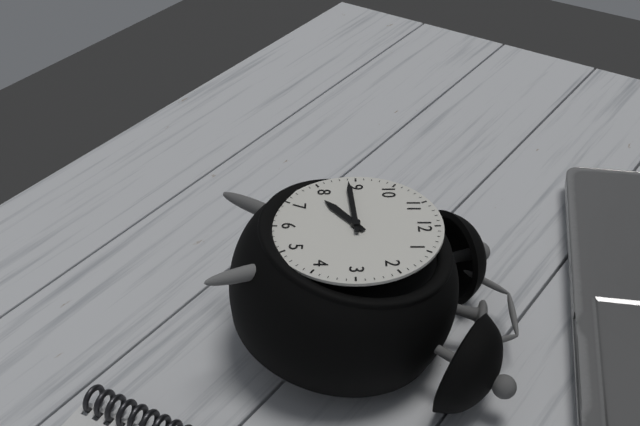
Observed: **7:44**
